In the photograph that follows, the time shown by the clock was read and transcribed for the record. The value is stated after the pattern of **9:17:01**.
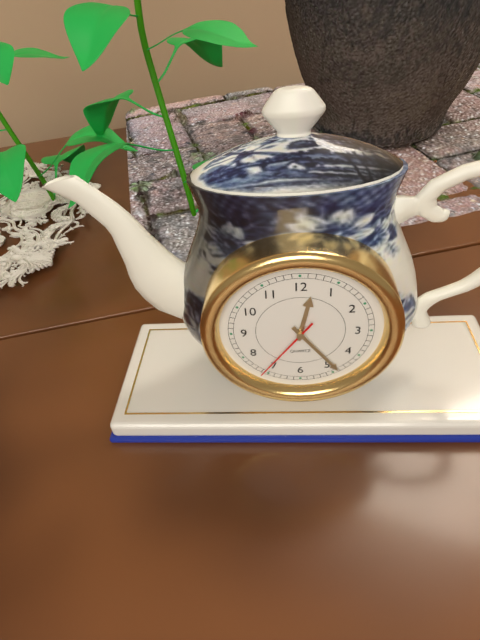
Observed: **12:24:36**
